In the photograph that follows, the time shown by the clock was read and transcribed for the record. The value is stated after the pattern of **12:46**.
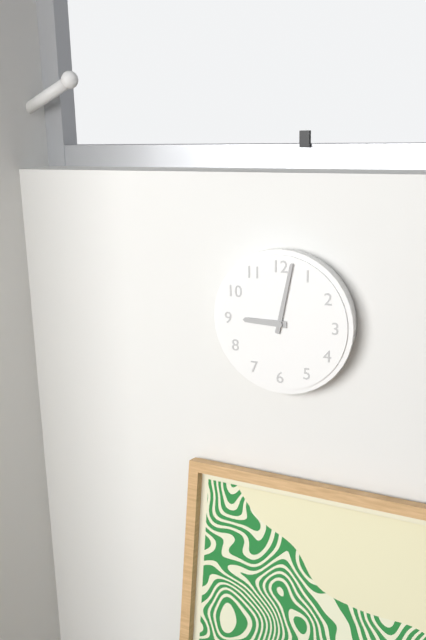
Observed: **9:02**
